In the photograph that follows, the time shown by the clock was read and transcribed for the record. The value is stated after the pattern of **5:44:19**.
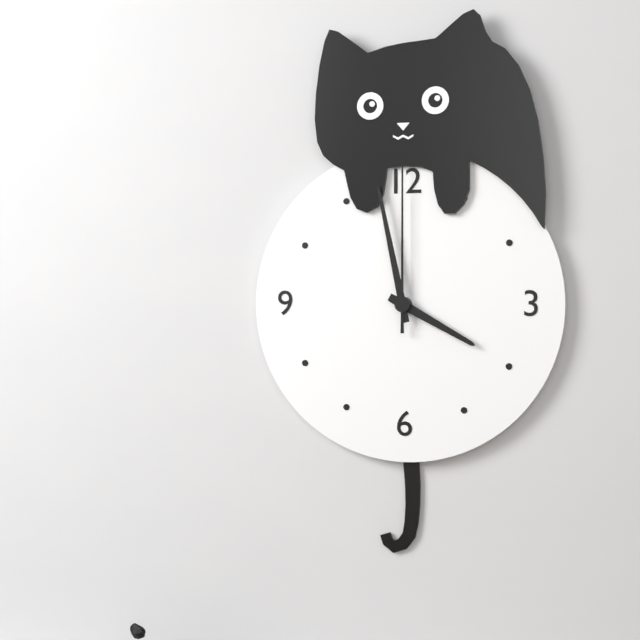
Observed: **3:58:00**
